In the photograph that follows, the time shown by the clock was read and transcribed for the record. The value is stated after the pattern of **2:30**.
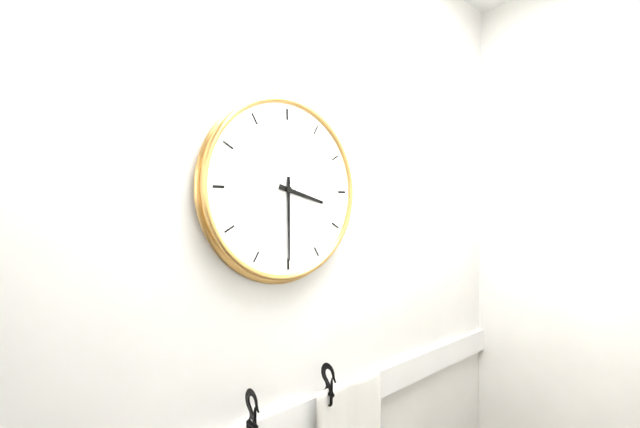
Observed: **3:30**
